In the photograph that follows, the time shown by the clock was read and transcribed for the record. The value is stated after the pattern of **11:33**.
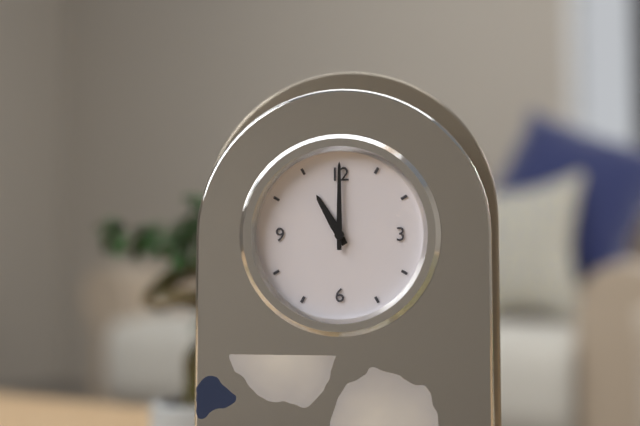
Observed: **11:00**
